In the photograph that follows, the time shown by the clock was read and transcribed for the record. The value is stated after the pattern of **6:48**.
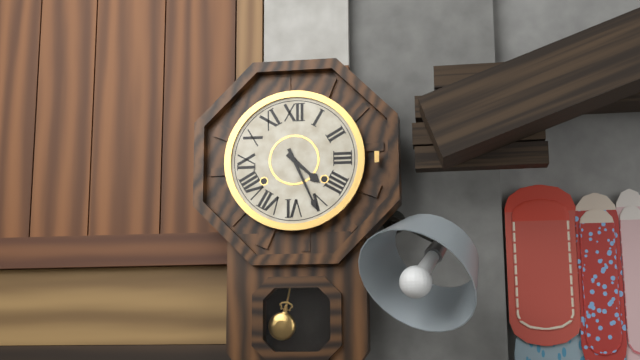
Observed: **4:26**
